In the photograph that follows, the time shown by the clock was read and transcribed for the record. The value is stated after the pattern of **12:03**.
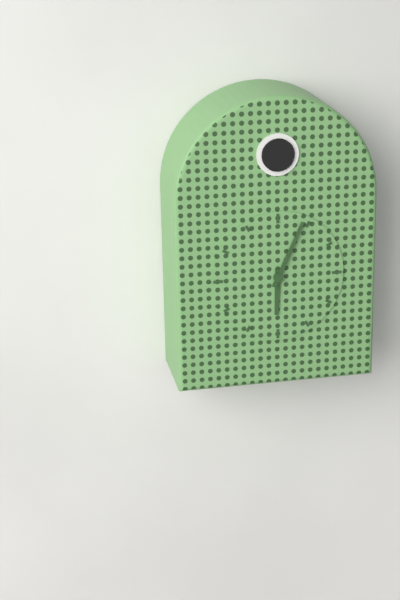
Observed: **6:04**
